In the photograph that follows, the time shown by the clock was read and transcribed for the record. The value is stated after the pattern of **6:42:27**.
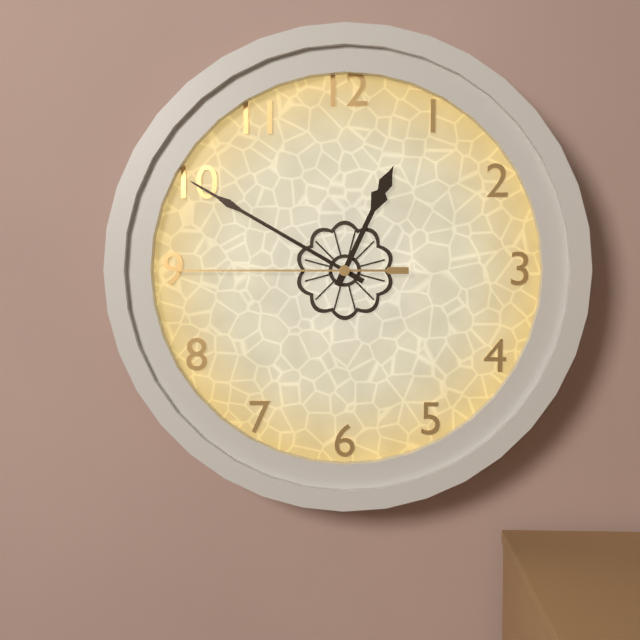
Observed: **12:50:45**
